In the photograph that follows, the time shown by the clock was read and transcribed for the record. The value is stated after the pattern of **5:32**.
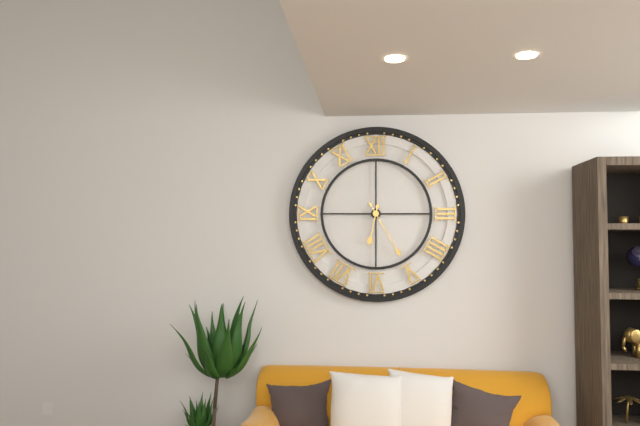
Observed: **6:25**
